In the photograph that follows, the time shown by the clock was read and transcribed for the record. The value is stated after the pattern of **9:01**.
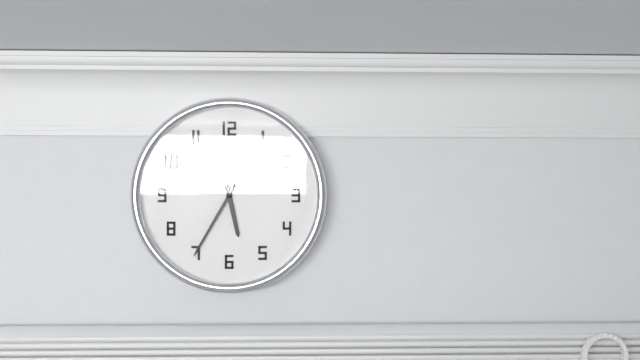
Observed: **5:35**
